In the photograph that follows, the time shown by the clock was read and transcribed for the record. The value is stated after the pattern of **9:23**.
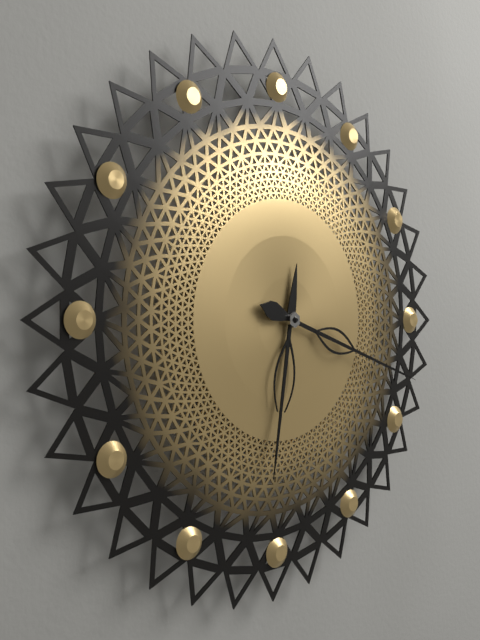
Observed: **6:18**
